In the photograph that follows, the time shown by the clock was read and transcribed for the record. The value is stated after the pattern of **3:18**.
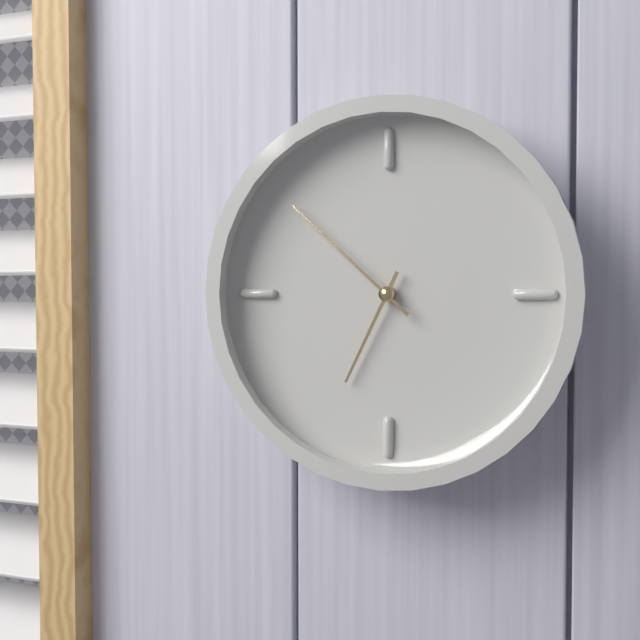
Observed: **6:52**
